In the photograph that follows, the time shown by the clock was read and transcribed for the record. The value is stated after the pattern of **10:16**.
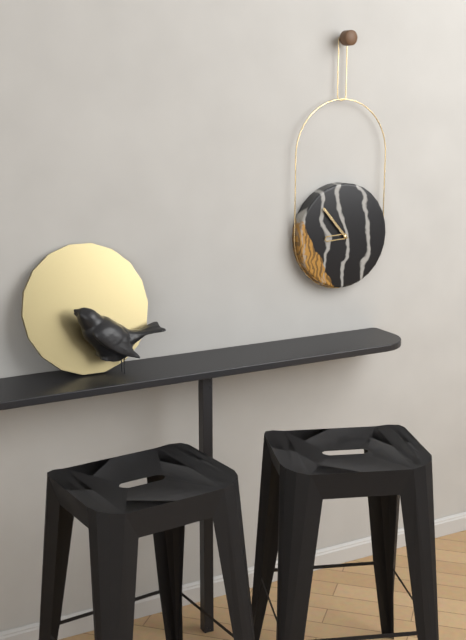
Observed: **8:53**
